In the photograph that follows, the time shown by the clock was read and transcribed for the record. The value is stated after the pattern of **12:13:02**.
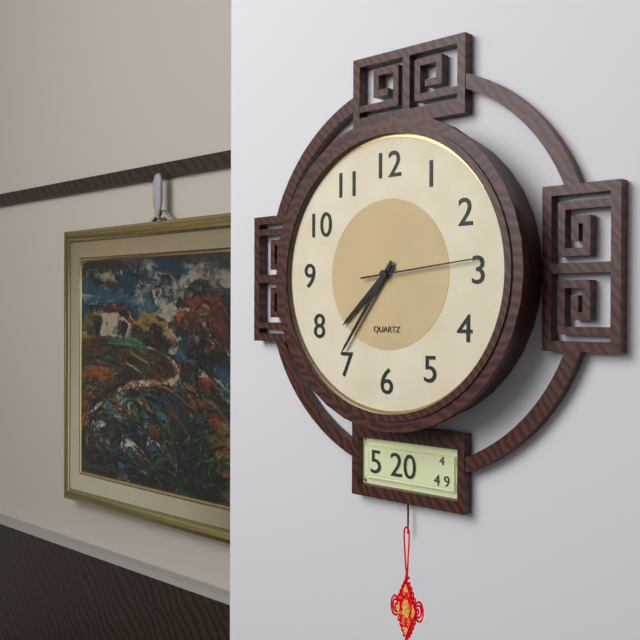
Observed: **7:36:14**
